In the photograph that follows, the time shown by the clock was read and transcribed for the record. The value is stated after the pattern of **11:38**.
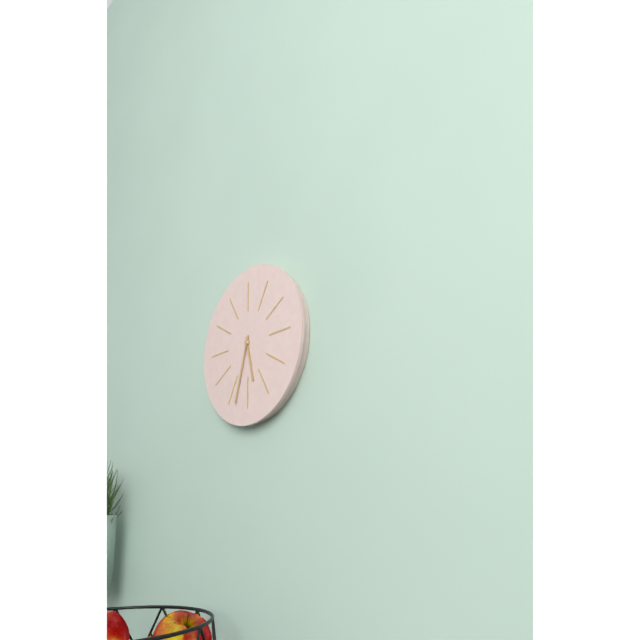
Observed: **5:33**
